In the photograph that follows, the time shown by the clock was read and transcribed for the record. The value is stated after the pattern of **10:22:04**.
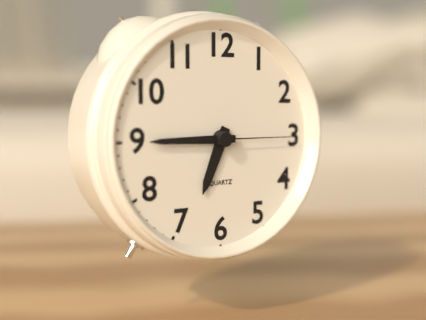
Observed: **6:45:15**
